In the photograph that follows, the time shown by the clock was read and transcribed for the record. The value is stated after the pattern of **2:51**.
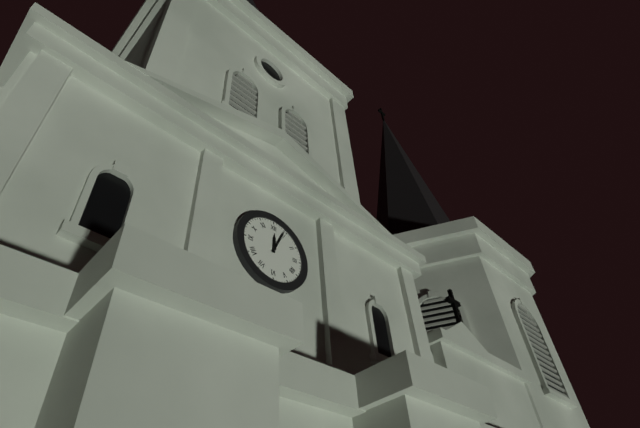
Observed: **12:04**
